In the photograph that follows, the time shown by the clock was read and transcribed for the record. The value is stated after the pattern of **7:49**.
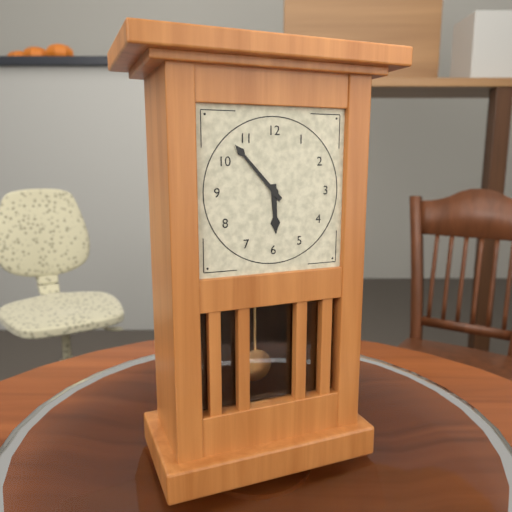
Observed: **5:53**
